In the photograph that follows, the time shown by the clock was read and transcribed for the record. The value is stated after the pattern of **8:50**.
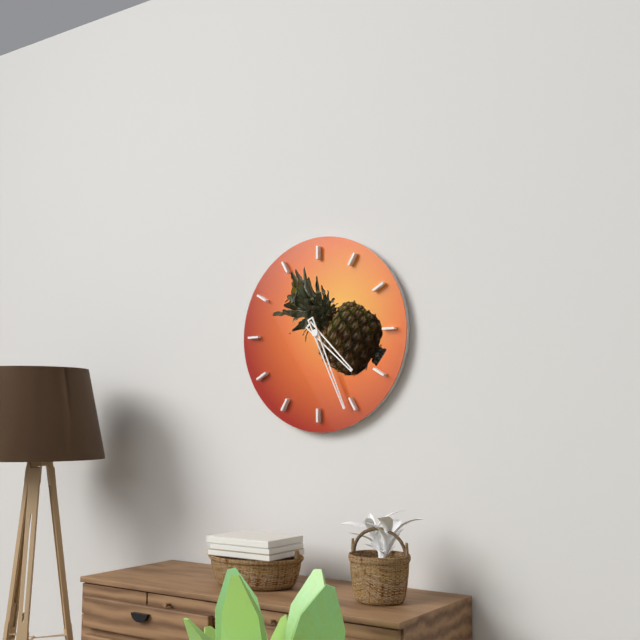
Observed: **4:26**
